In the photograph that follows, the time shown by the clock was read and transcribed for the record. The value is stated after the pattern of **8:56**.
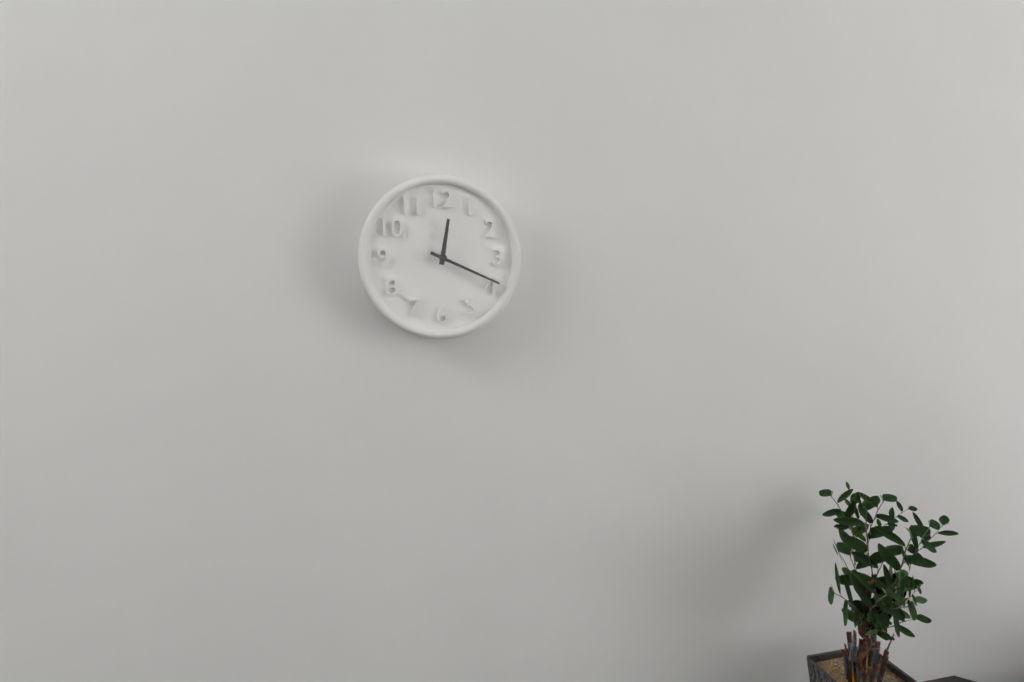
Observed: **12:19**
